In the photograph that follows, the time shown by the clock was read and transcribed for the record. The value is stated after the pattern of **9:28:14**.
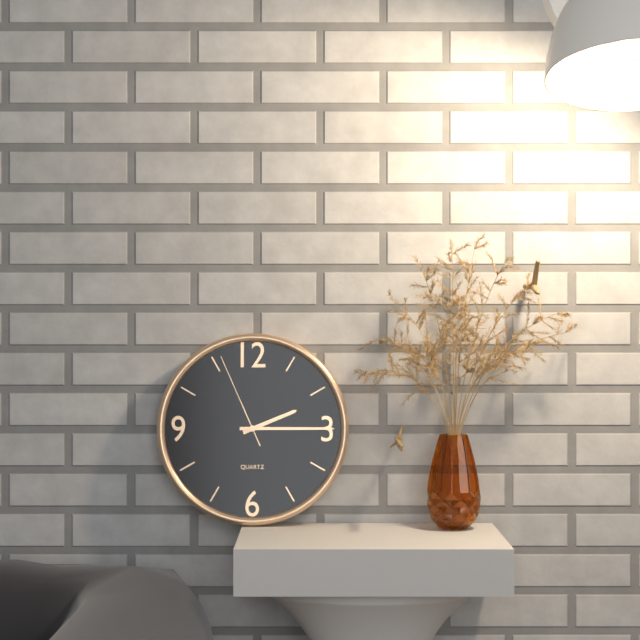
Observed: **2:15:56**
